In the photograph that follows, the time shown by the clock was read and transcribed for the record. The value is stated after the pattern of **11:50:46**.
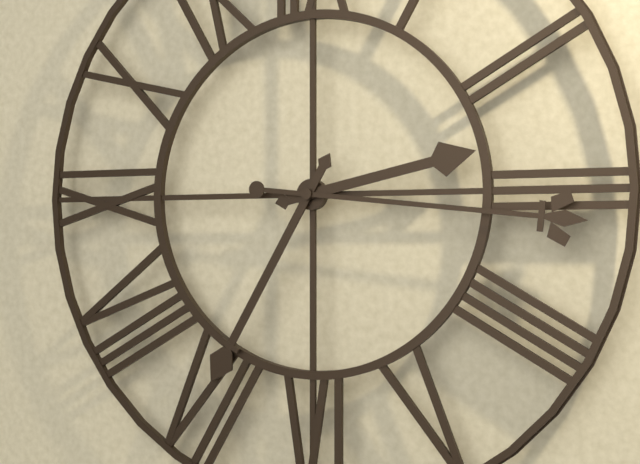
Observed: **2:35:16**
